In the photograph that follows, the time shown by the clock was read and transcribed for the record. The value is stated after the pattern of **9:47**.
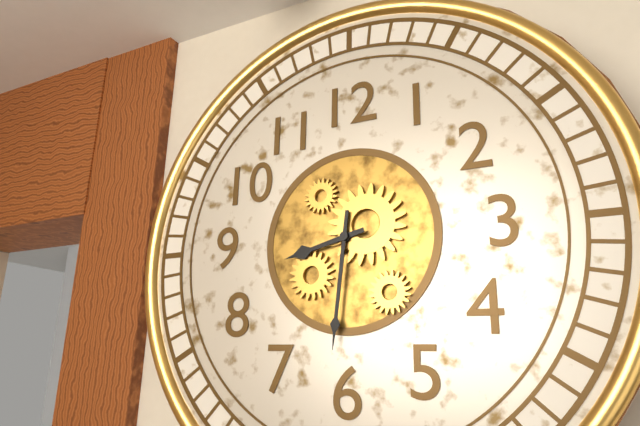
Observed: **8:31**
